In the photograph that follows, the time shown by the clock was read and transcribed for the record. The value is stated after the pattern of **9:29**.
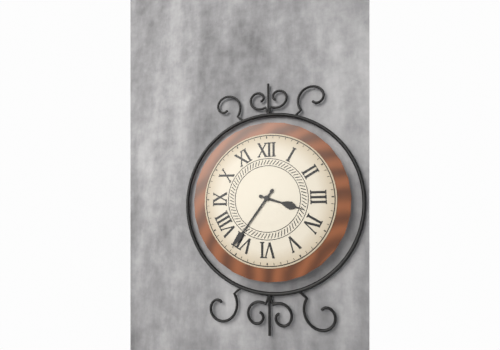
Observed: **3:36**
